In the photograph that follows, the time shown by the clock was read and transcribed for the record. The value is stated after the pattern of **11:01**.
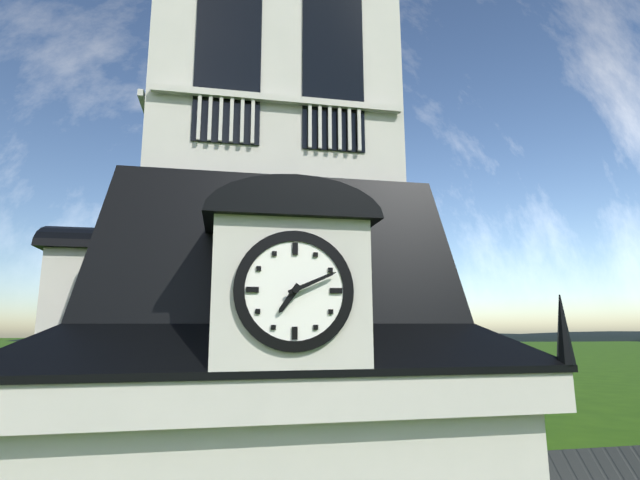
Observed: **7:11**
